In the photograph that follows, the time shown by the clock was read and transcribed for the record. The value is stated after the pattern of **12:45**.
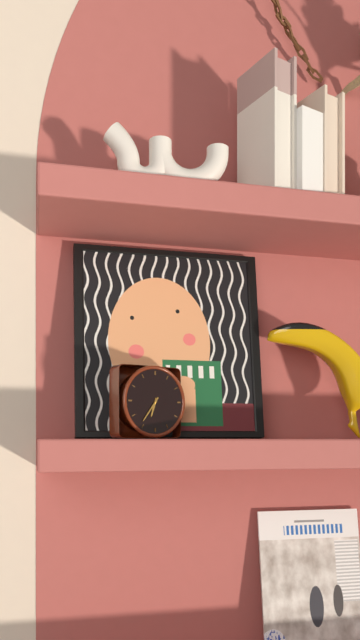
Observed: **6:36**
